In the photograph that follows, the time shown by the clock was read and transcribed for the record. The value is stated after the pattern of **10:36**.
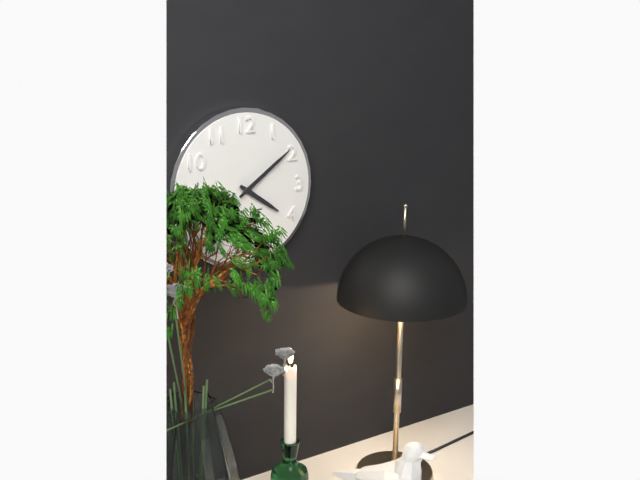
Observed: **4:09**
